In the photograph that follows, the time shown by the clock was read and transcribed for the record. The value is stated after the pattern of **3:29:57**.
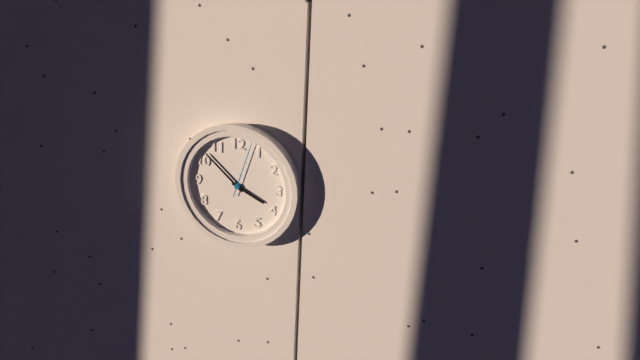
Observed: **3:52:03**
